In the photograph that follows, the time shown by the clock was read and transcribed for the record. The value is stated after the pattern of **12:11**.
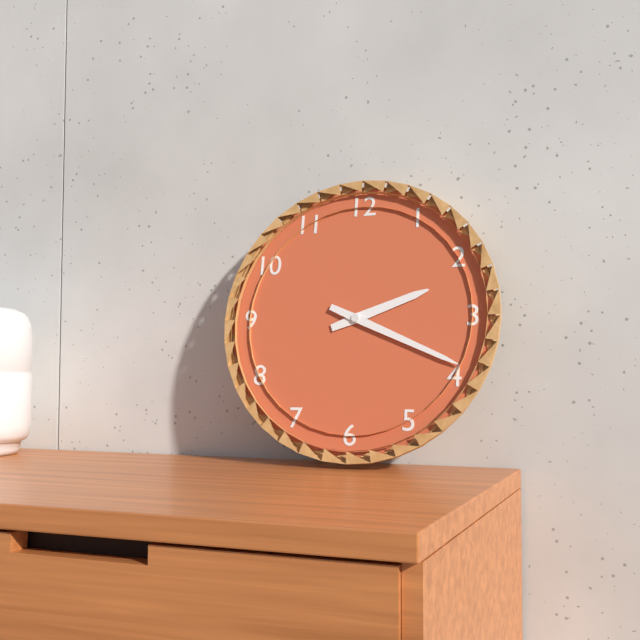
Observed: **2:19**
